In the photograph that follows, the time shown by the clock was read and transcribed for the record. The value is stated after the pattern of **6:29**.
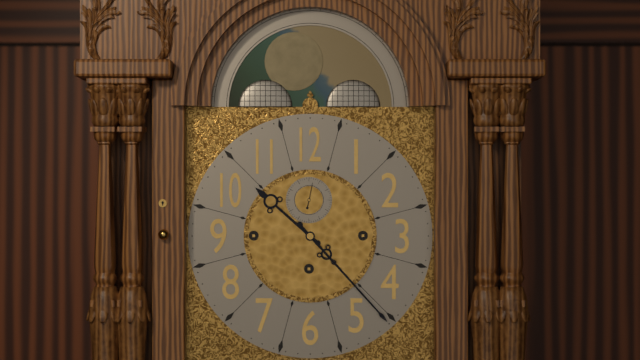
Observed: **10:23**
